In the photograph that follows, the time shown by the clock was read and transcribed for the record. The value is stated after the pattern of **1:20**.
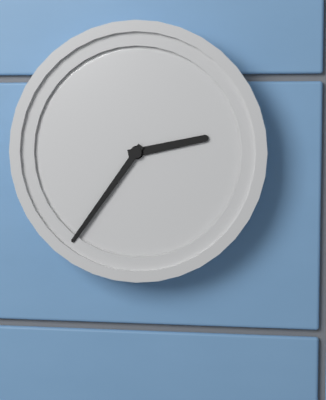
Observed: **2:36**
